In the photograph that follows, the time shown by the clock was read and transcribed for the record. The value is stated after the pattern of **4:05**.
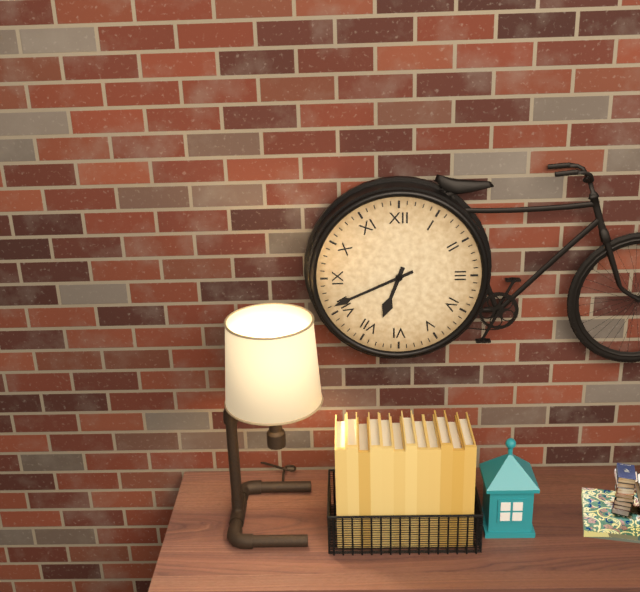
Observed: **6:41**
